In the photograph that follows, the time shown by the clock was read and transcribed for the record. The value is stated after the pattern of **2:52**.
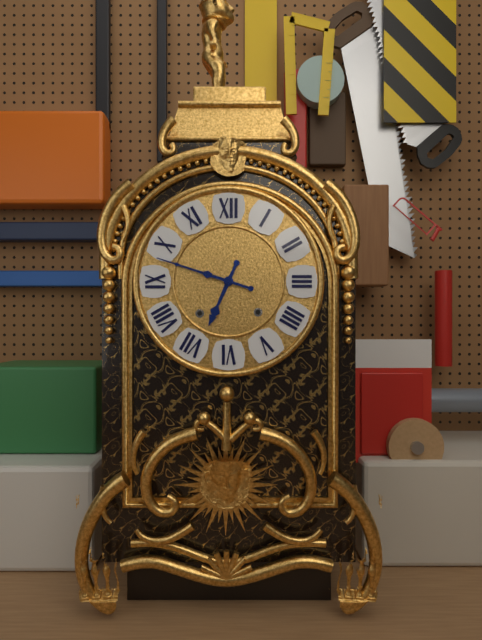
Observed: **6:48**
